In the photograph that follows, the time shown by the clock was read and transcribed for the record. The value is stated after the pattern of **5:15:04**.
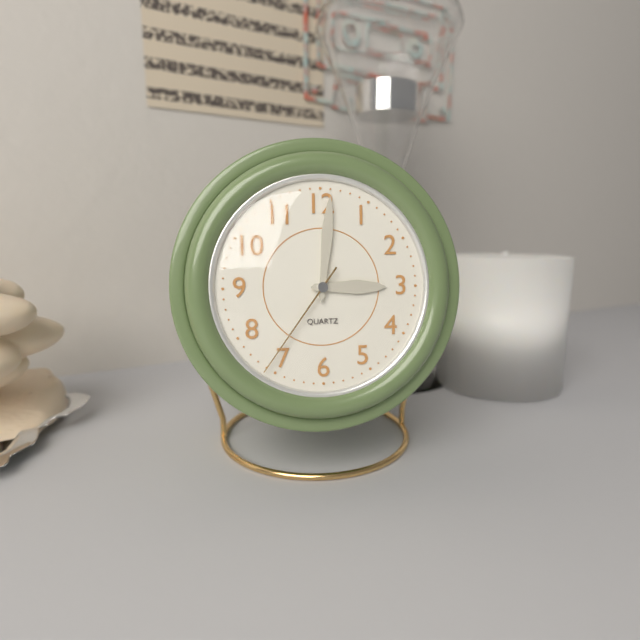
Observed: **3:01:36**
